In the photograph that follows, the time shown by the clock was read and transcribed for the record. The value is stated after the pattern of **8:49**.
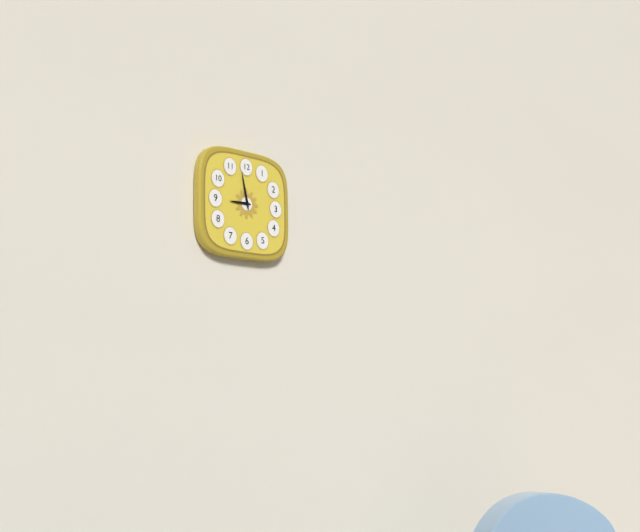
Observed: **8:58**
